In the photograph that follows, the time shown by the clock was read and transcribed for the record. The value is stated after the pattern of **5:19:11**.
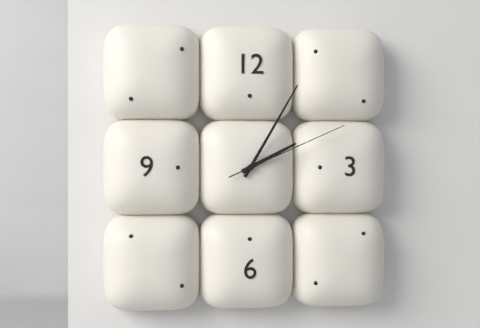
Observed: **2:05:11**
